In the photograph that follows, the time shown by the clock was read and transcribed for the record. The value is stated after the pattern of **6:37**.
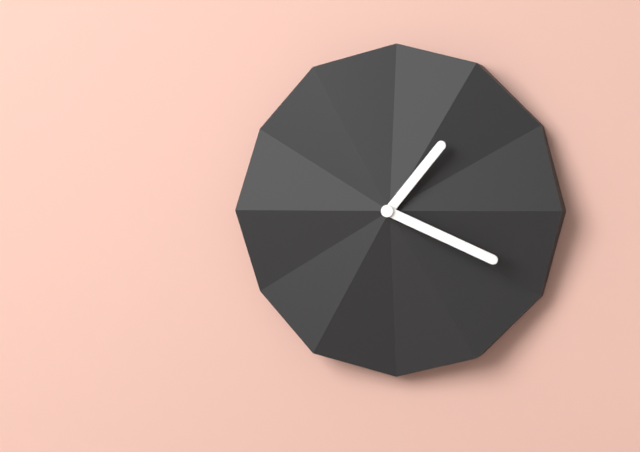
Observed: **1:19**
